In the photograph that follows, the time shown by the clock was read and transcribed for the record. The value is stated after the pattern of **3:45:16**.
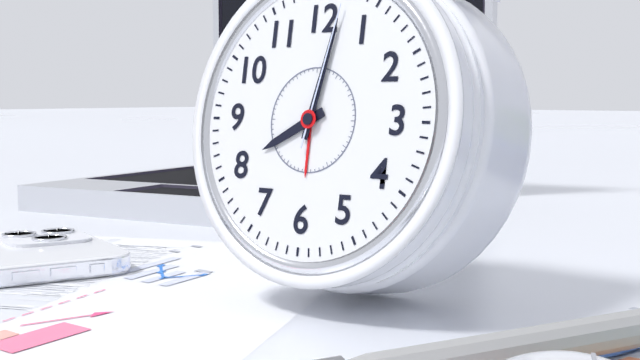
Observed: **8:02:02**
